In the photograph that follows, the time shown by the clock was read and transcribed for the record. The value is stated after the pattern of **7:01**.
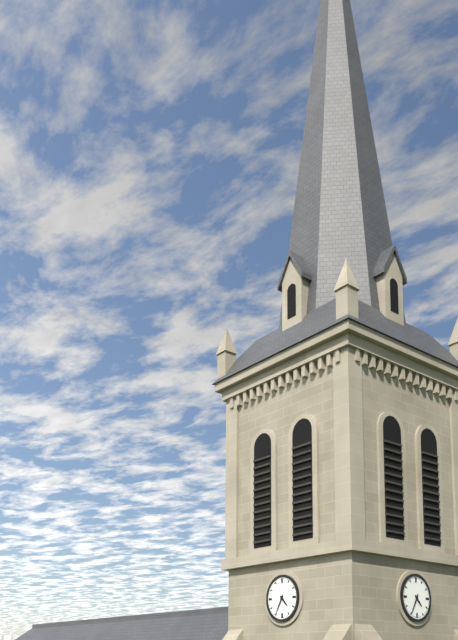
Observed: **4:35**
